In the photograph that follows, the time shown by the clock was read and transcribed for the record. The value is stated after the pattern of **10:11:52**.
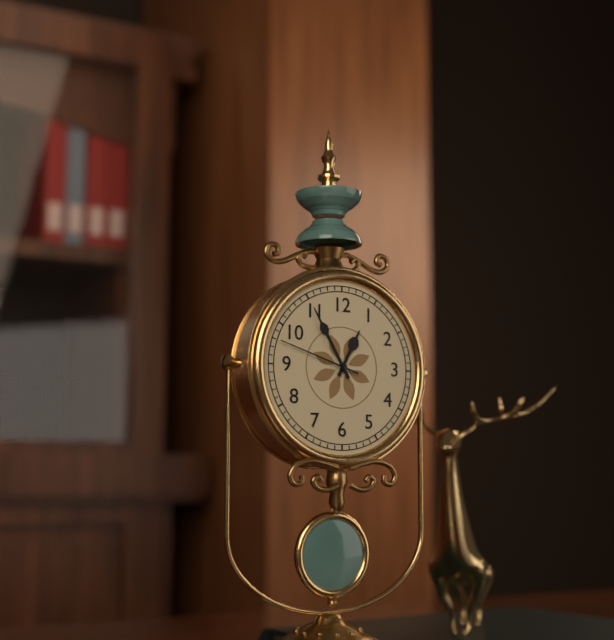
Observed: **12:55:48**
